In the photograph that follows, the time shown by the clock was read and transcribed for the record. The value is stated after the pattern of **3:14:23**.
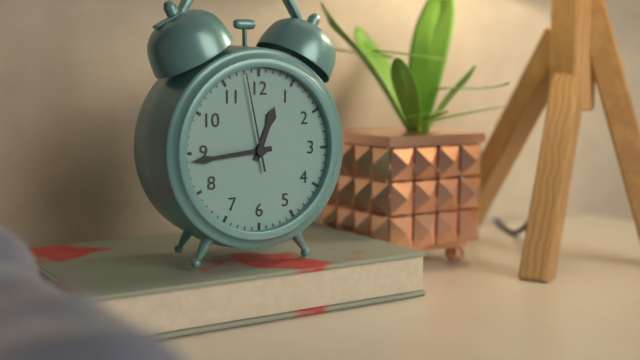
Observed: **12:44:58**
